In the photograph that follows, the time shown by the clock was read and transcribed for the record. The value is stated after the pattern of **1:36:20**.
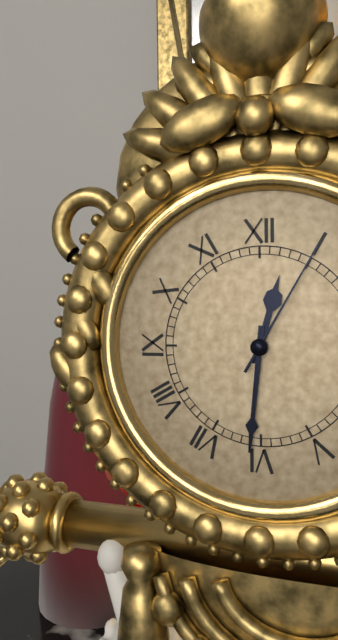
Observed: **12:31:05**
